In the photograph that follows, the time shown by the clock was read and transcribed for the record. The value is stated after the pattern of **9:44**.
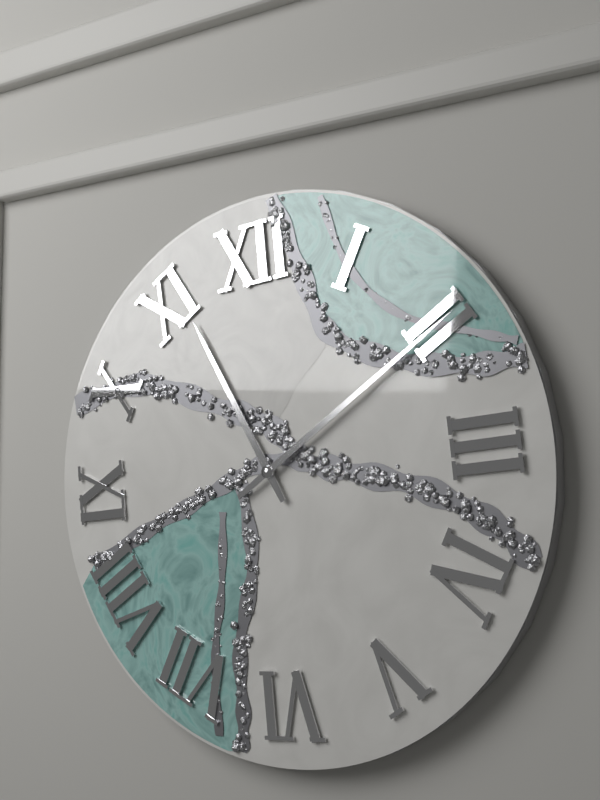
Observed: **11:10**
